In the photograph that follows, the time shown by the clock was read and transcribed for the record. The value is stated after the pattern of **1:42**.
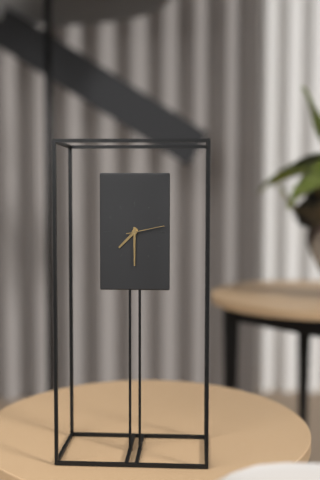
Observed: **7:30**
